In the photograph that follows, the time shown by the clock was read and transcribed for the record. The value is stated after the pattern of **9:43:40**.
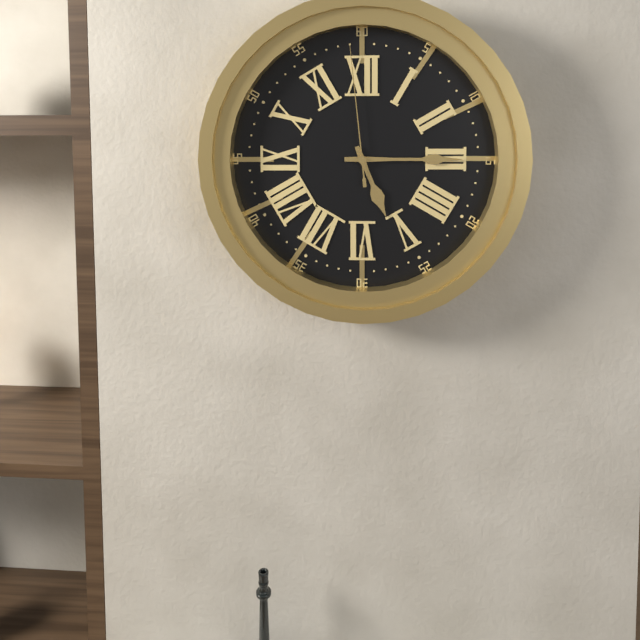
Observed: **5:15:59**
